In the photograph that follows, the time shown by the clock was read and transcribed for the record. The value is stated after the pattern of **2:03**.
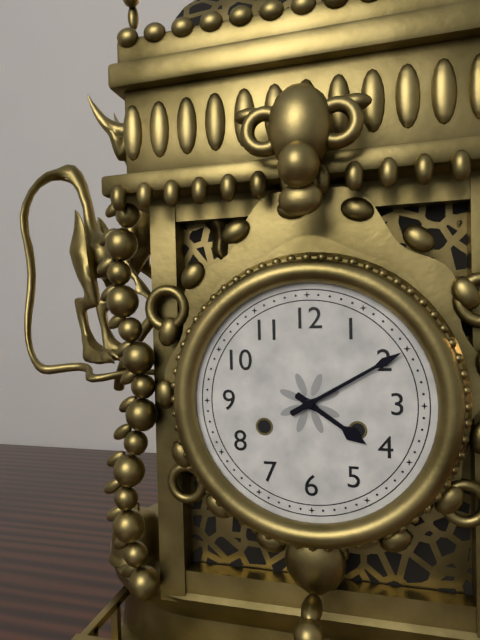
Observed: **4:10**
